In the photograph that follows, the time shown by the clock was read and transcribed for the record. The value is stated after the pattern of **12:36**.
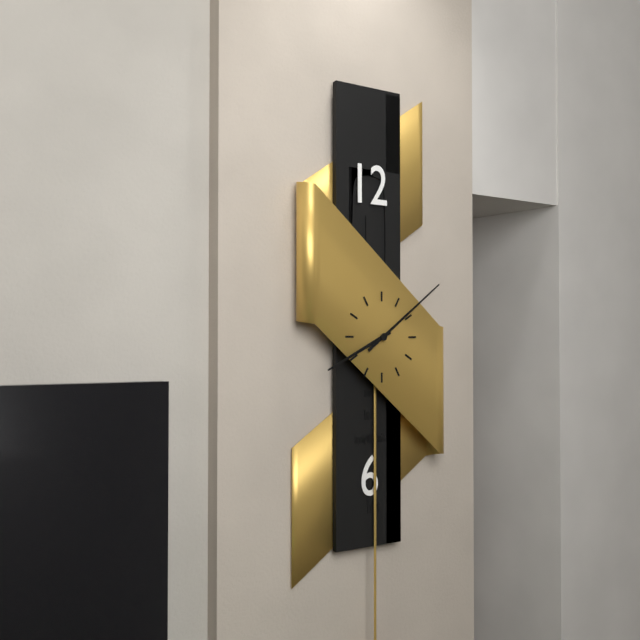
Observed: **8:09**
